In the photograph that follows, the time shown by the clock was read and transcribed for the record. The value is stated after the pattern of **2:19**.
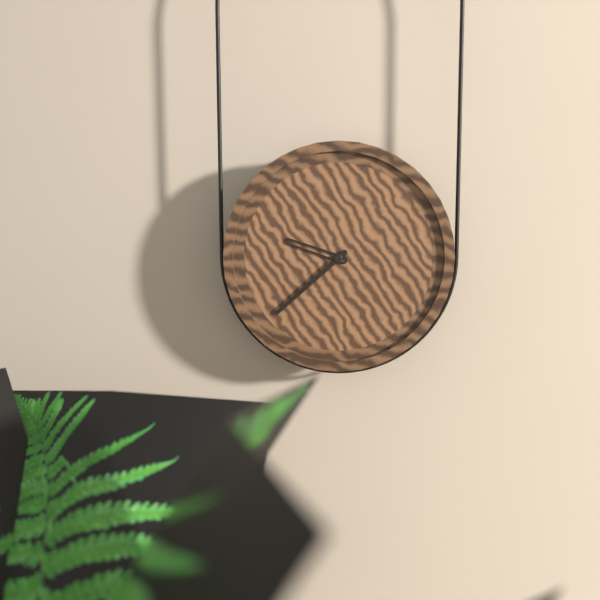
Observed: **9:38**
